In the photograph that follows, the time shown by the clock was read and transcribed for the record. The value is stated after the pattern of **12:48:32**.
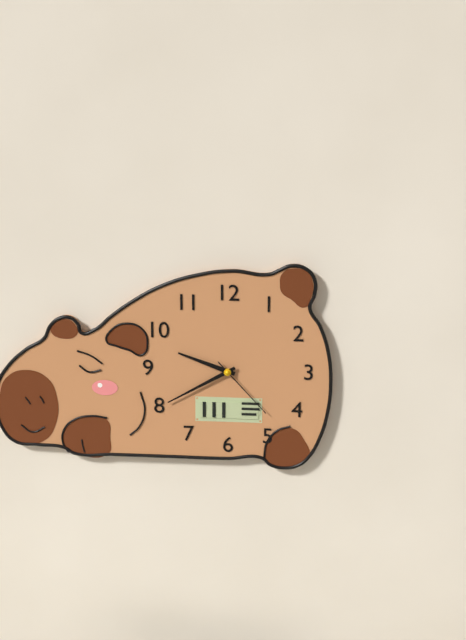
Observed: **9:40:23**
